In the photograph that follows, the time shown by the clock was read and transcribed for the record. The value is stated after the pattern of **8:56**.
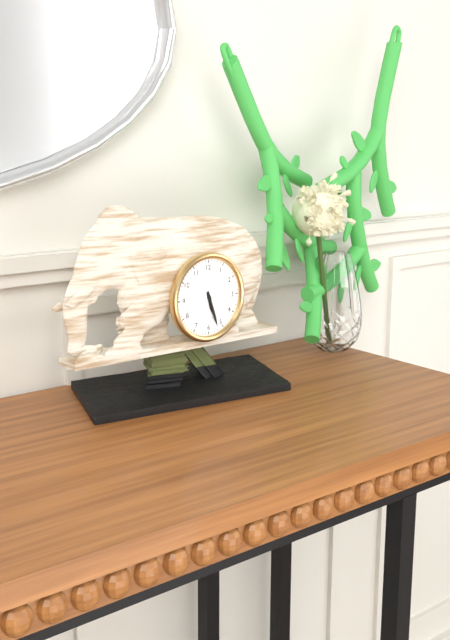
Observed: **5:27**
